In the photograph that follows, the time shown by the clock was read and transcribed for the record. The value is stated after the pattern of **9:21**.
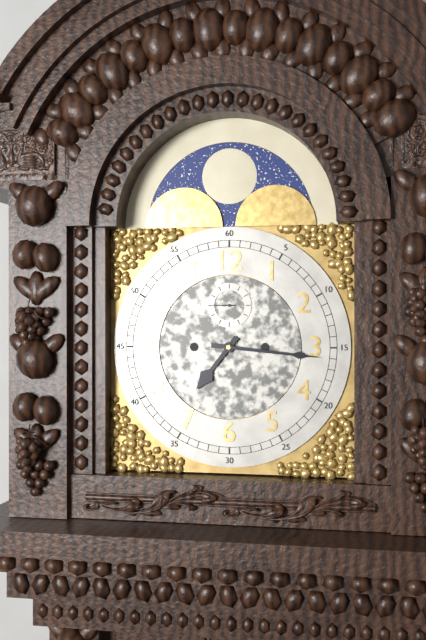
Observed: **7:16**
